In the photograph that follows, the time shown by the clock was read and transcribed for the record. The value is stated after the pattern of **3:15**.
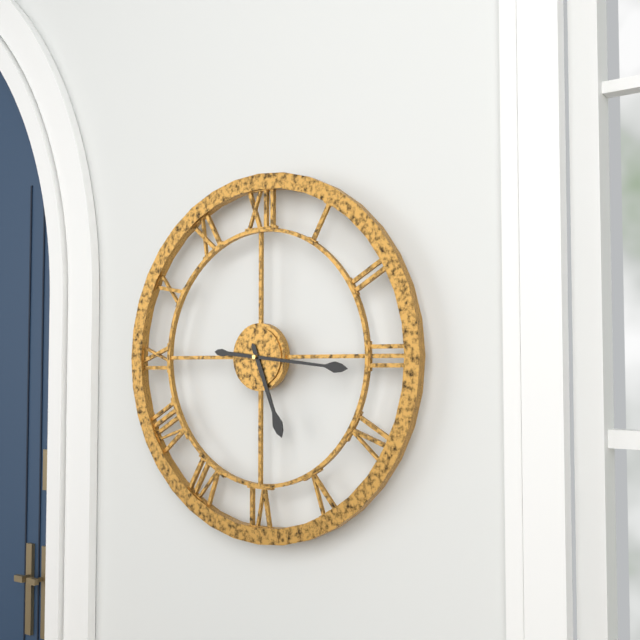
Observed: **5:16**
